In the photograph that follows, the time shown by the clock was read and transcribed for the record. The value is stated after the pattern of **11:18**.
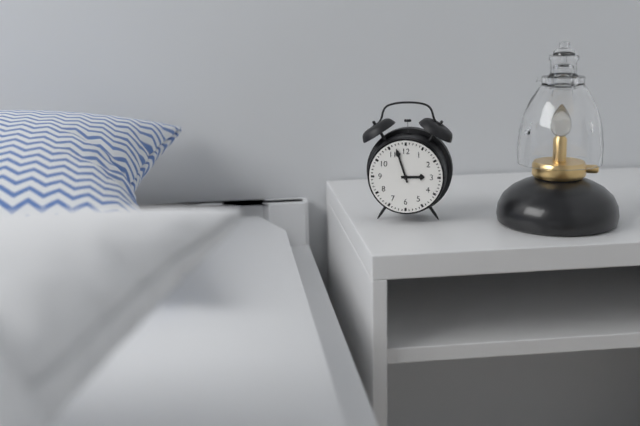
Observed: **2:57**
